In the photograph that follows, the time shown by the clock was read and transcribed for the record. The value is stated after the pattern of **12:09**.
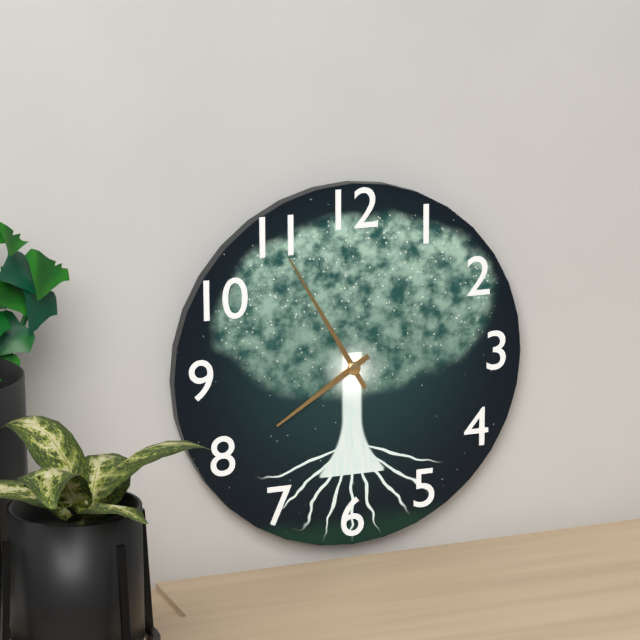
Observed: **7:55**
